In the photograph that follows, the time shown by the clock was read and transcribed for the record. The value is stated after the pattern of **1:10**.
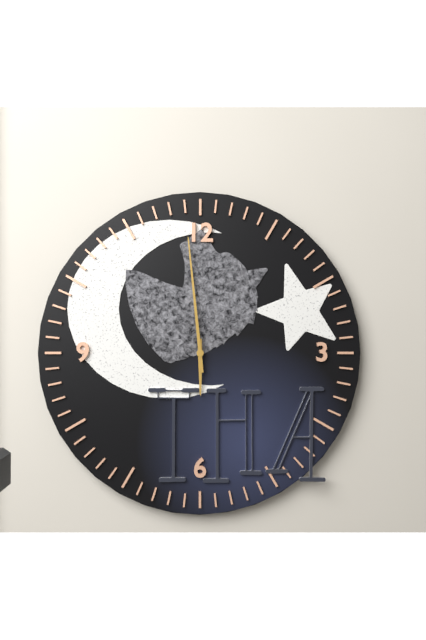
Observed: **5:59**
